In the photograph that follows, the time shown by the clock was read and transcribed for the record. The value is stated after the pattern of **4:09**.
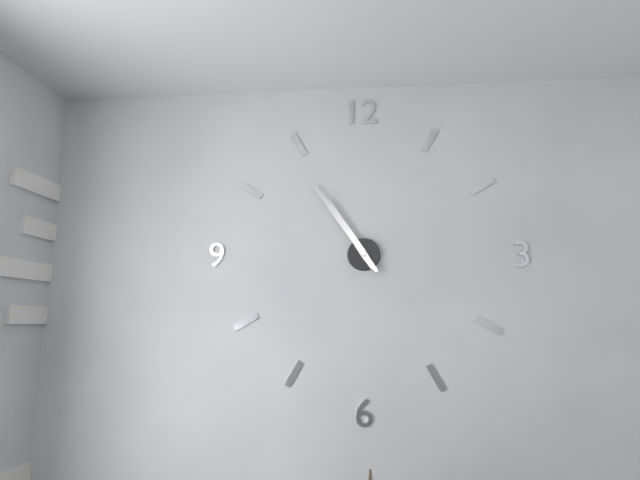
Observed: **10:54**
